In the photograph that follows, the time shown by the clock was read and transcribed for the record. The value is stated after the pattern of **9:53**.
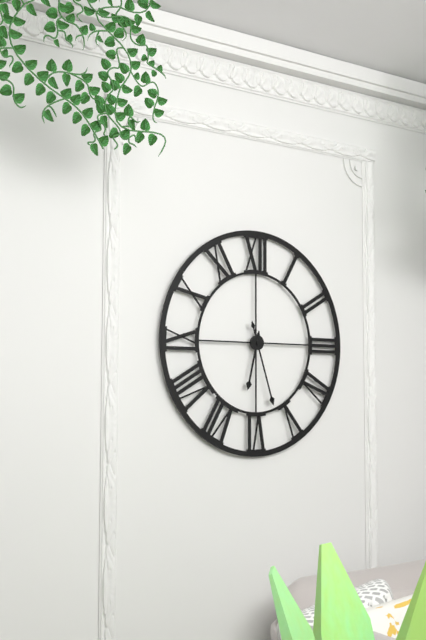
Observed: **6:27**
